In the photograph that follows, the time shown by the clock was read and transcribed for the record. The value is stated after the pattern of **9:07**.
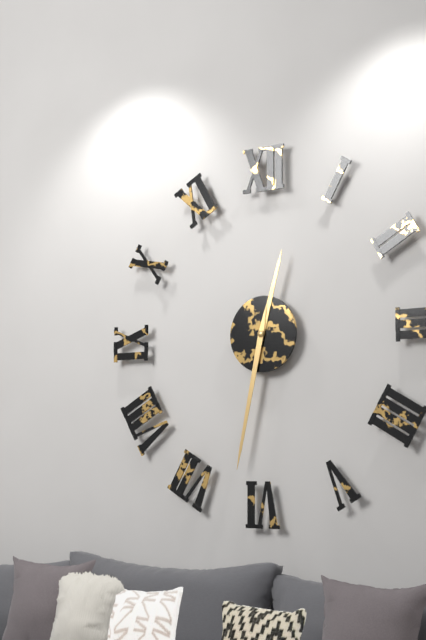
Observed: **12:32**
